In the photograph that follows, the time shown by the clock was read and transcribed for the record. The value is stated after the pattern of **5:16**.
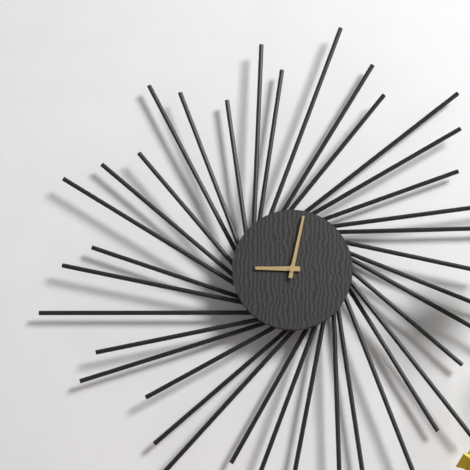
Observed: **9:02**
